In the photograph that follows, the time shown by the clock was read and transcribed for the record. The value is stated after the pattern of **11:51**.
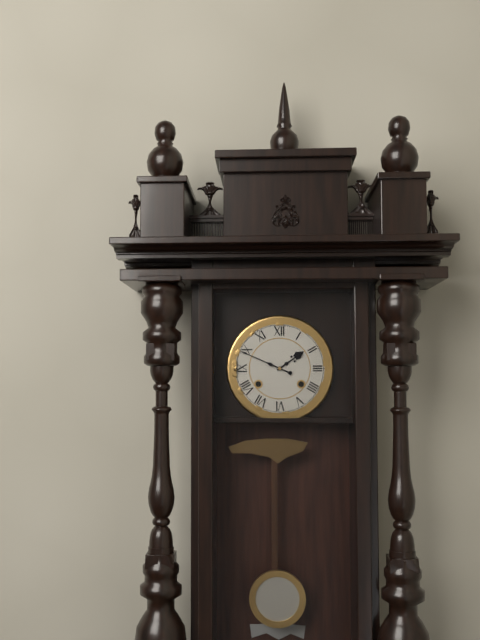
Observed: **1:49**
